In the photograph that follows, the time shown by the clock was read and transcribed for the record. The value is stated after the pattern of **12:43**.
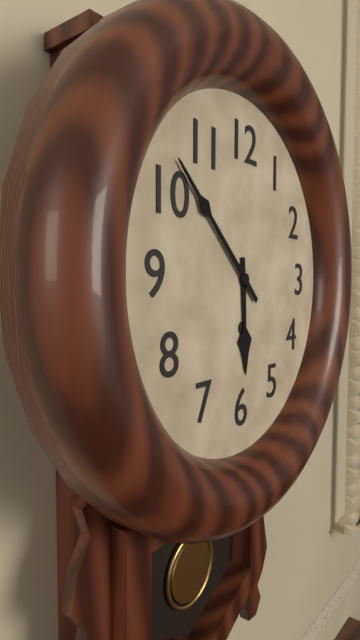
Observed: **5:52**
